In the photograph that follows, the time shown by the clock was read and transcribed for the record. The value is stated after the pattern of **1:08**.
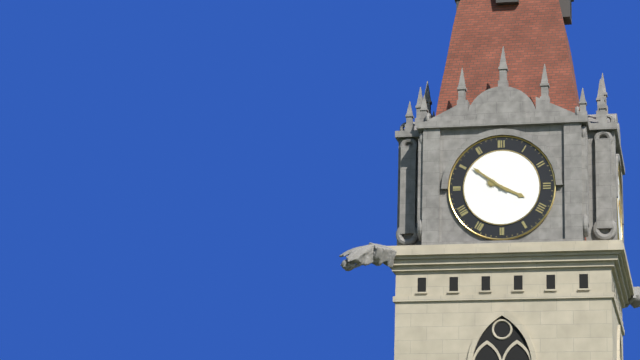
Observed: **3:51**
